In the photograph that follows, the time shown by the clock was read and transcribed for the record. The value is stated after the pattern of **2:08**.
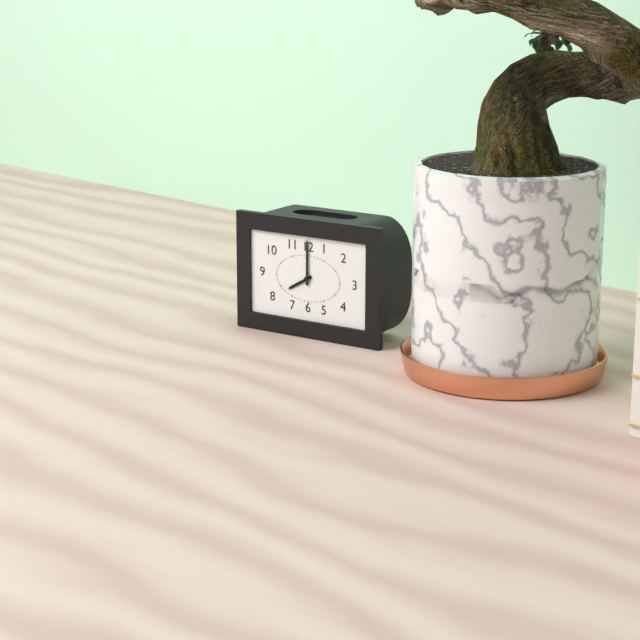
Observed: **8:00**
